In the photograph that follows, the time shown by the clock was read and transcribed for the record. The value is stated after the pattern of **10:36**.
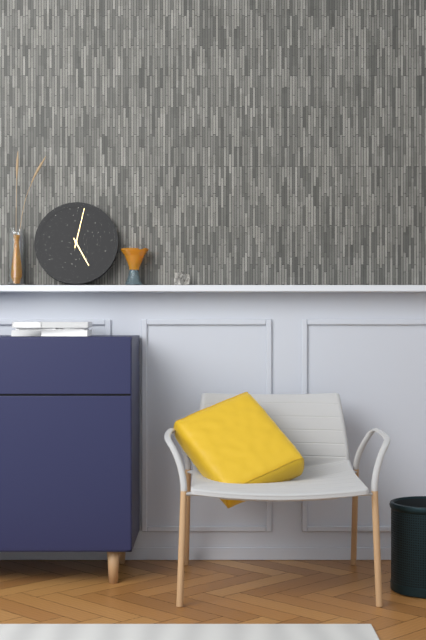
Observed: **5:02**
